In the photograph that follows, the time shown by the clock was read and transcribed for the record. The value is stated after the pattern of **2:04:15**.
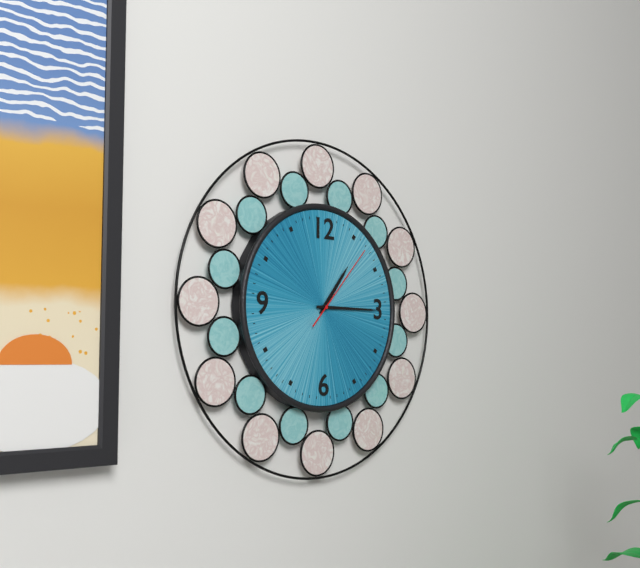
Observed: **1:15:07**
